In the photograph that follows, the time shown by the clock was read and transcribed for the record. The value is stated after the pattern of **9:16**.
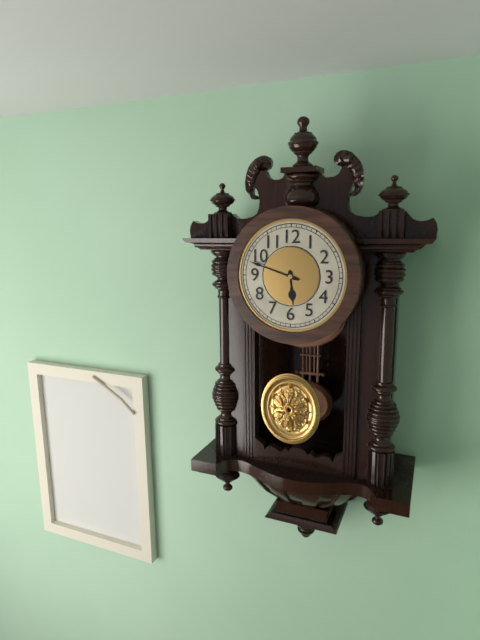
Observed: **5:48**
